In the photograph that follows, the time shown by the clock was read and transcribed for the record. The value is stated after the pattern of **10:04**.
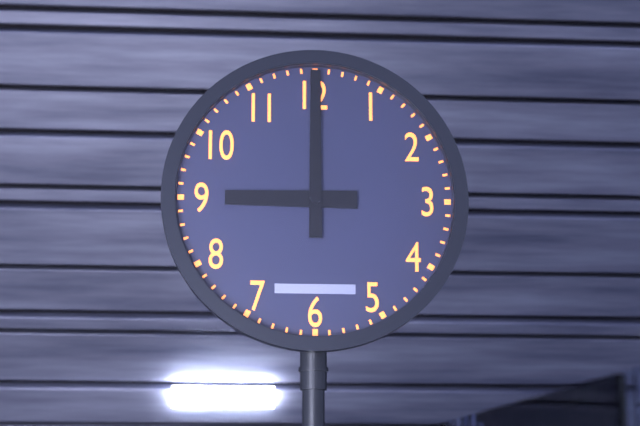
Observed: **9:00**
